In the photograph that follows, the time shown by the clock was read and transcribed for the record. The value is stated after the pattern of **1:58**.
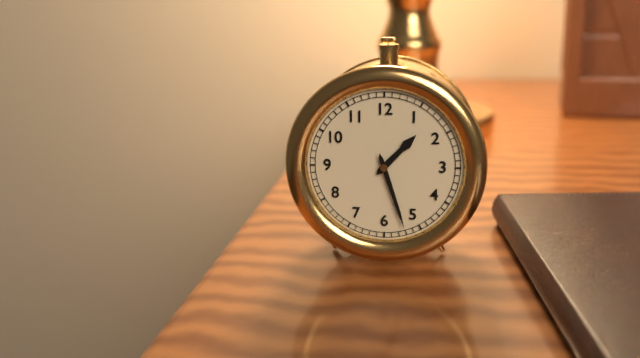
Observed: **1:27**
